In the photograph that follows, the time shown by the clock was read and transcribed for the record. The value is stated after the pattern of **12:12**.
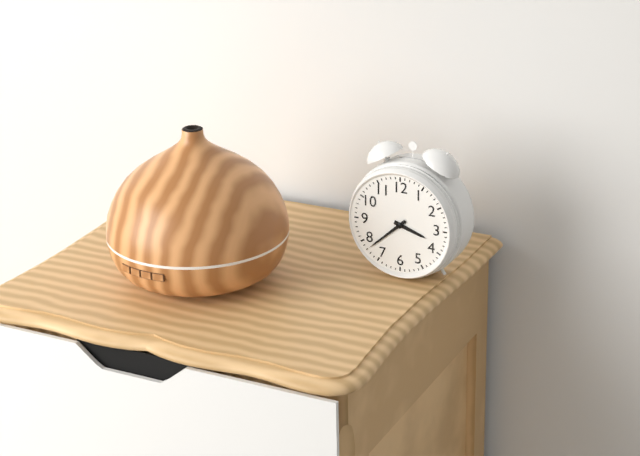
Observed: **3:38**
